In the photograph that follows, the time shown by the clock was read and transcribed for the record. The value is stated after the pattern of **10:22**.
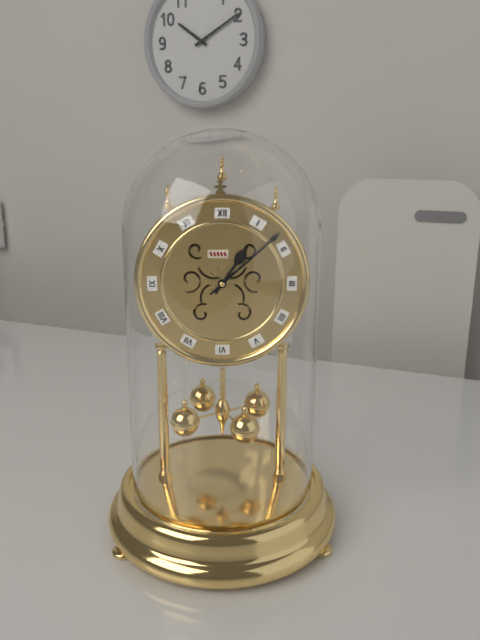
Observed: **1:08**
